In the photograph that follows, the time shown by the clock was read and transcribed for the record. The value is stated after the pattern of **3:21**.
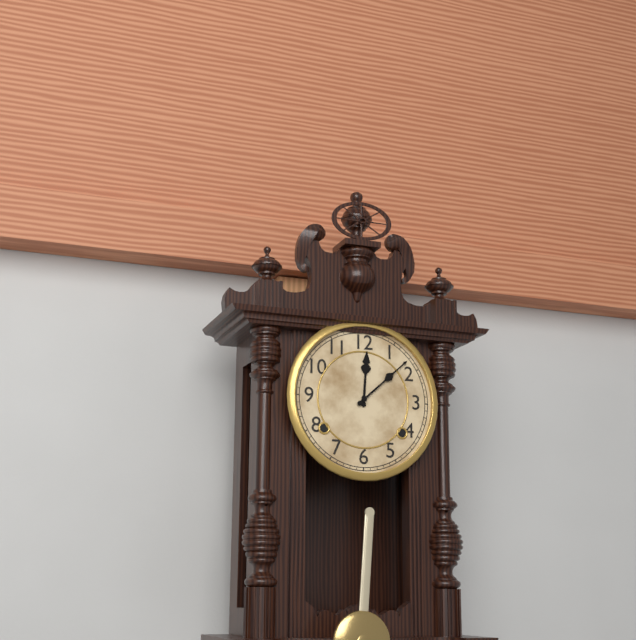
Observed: **12:08**
